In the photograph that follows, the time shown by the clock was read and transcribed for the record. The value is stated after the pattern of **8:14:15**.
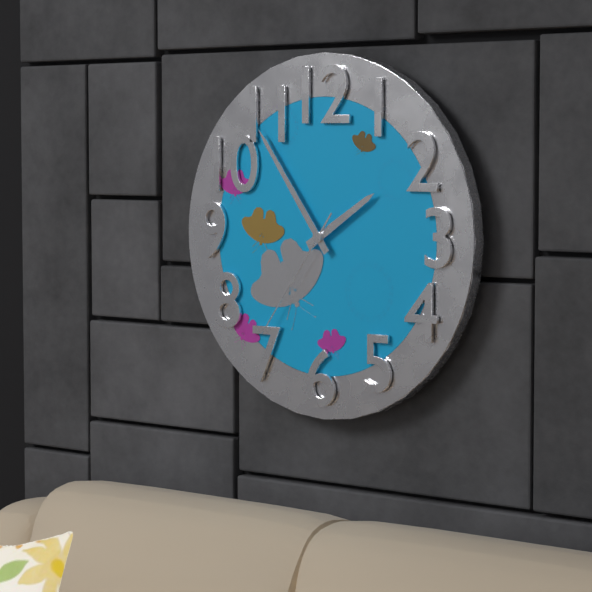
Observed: **1:54:36**
